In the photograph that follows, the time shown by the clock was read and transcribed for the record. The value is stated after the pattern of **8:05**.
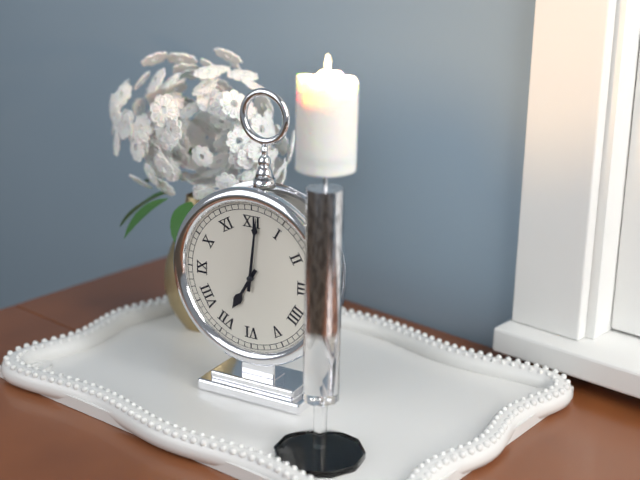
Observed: **7:01**
